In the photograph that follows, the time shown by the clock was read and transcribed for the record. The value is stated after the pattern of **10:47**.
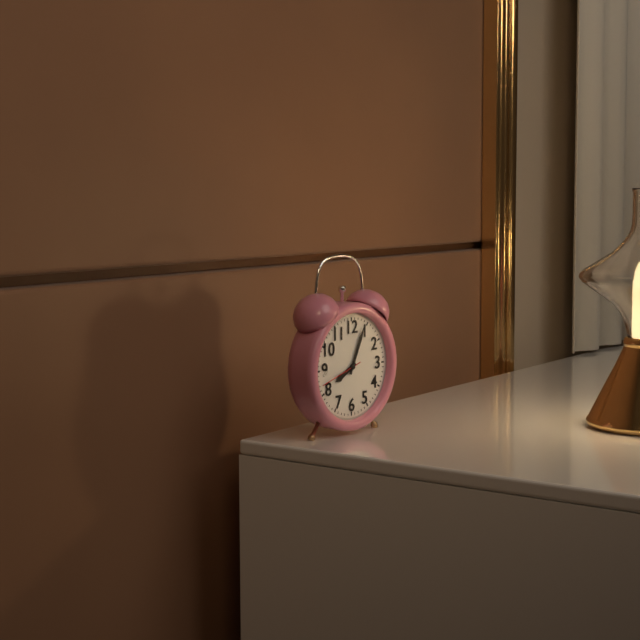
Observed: **8:04**
